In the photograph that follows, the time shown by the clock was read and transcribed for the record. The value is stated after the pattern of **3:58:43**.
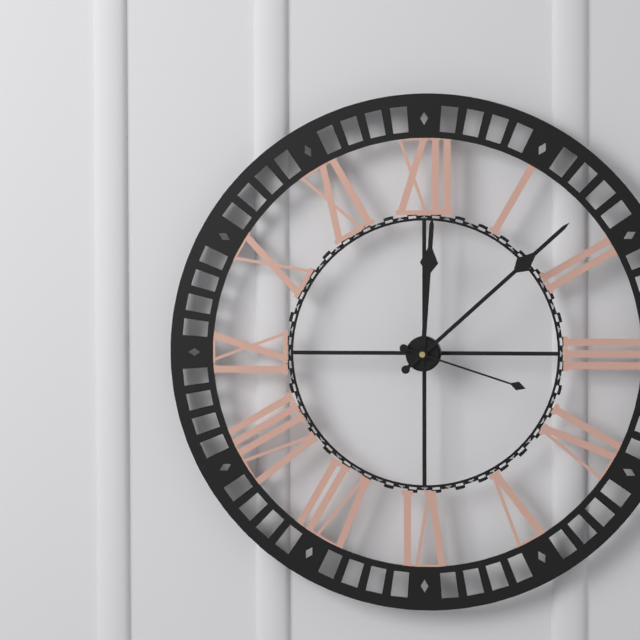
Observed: **12:08:18**
